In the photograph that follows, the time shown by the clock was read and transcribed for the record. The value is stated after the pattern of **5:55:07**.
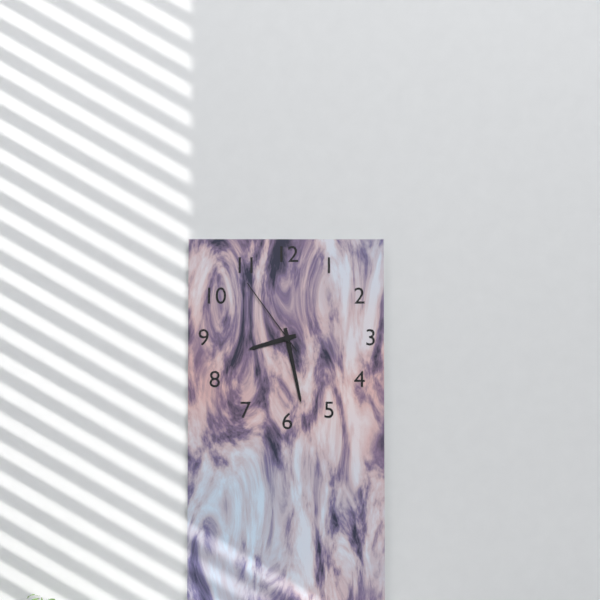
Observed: **8:28:54**
